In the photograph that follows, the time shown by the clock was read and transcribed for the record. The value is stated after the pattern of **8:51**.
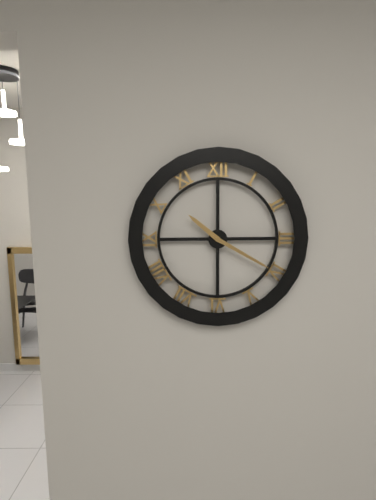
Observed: **10:20**
